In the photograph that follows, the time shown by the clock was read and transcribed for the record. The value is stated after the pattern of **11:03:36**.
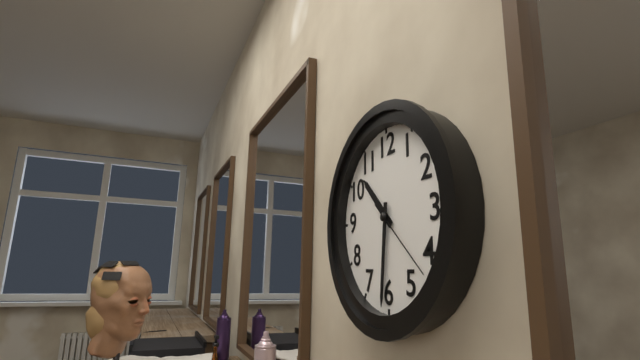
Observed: **10:31:22**
